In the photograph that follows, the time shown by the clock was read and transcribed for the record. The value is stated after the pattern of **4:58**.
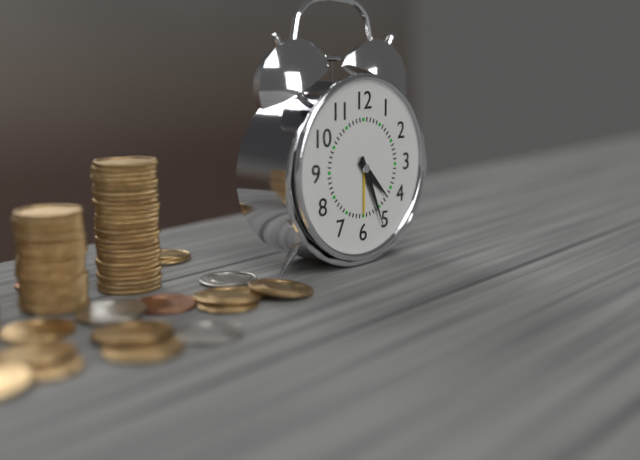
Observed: **4:26**
